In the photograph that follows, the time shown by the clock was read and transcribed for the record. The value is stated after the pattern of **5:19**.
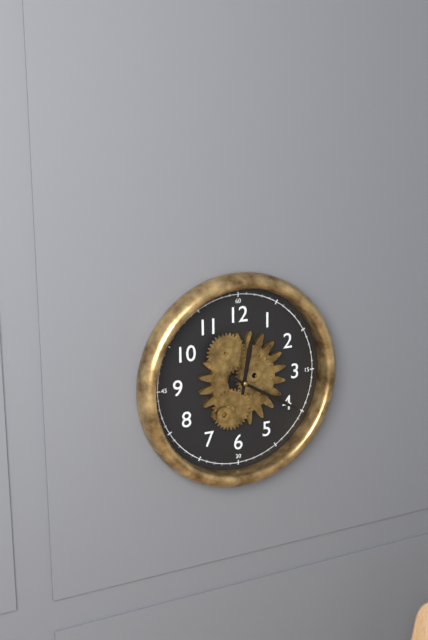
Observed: **12:20**
